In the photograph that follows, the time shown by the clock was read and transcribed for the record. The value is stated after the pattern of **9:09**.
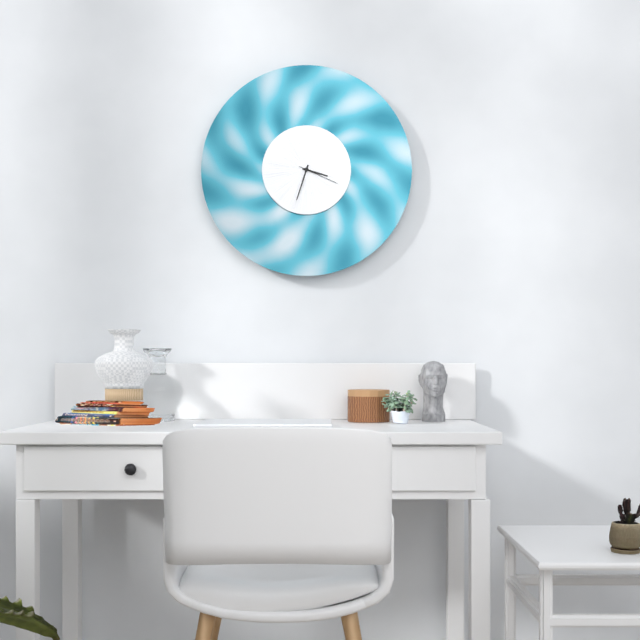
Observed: **3:33**
